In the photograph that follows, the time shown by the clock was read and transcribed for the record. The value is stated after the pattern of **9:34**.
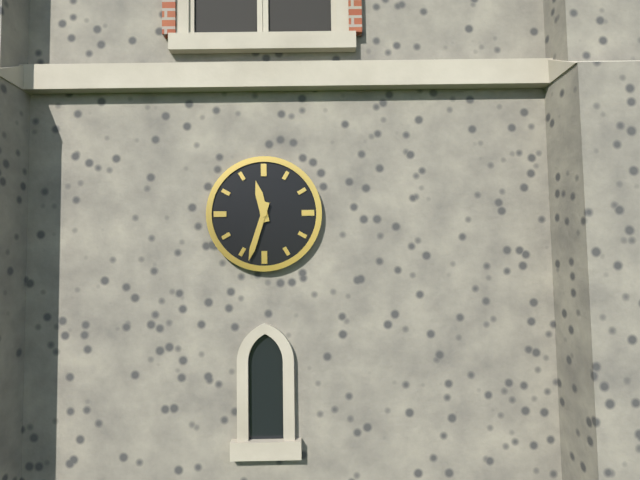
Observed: **11:33**
